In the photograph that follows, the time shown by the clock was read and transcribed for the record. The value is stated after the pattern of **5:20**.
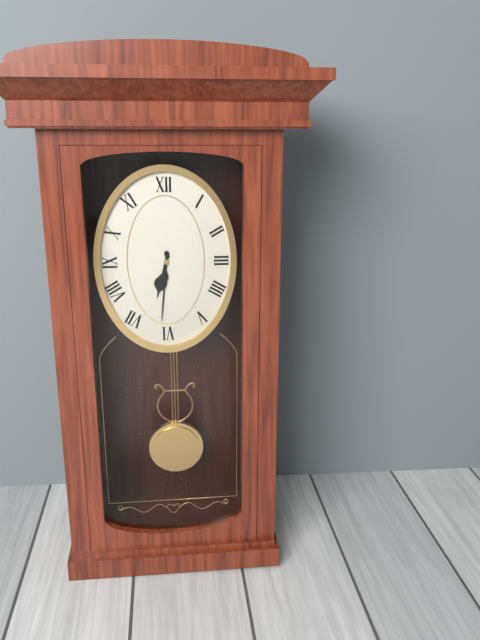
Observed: **6:31**
